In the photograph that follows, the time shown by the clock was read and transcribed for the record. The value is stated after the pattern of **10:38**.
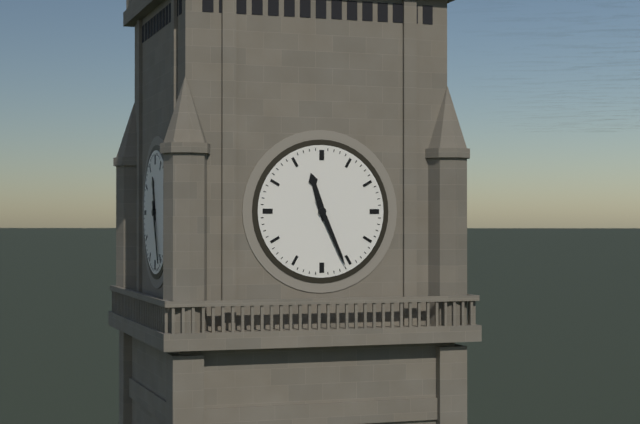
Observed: **11:26**
